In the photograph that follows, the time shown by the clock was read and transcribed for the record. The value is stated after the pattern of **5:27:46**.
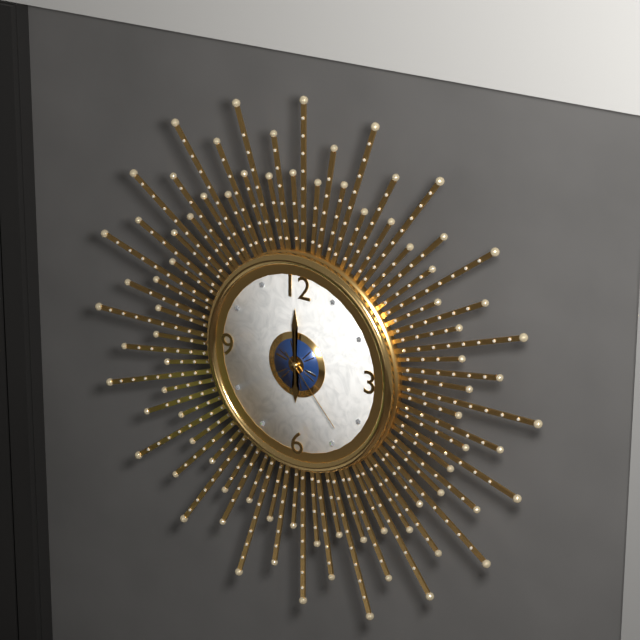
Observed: **6:00:23**
